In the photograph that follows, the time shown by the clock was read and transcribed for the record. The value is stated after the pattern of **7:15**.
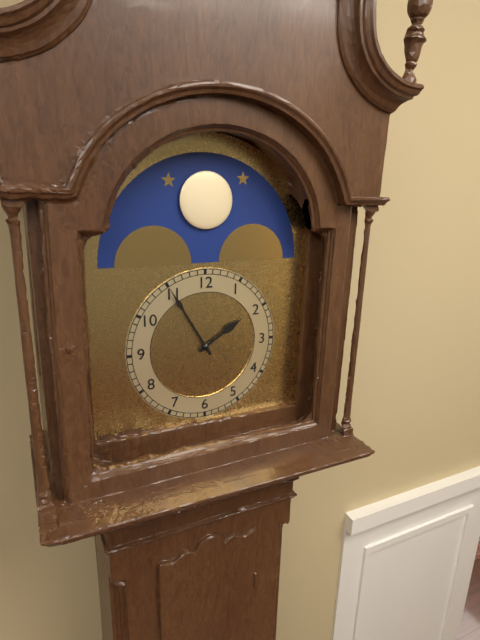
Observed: **1:55**
